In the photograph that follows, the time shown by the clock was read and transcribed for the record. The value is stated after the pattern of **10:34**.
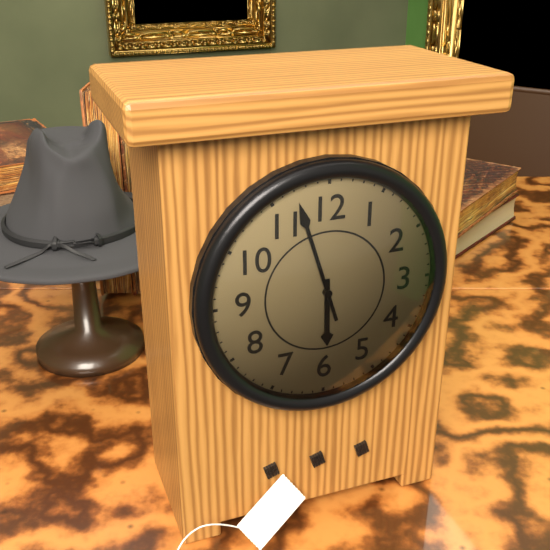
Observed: **5:57**
